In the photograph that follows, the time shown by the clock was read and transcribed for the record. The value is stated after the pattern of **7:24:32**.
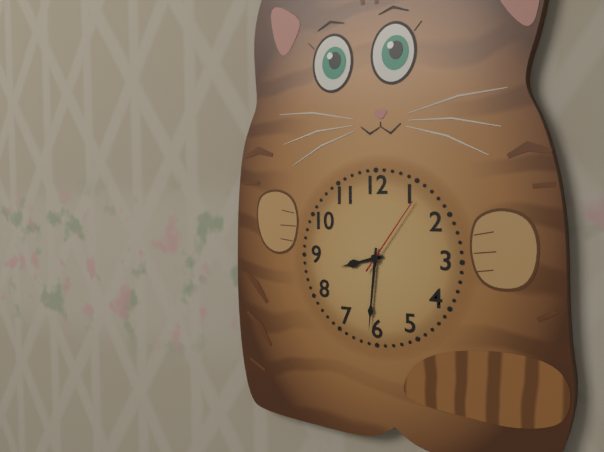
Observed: **8:31:06**
